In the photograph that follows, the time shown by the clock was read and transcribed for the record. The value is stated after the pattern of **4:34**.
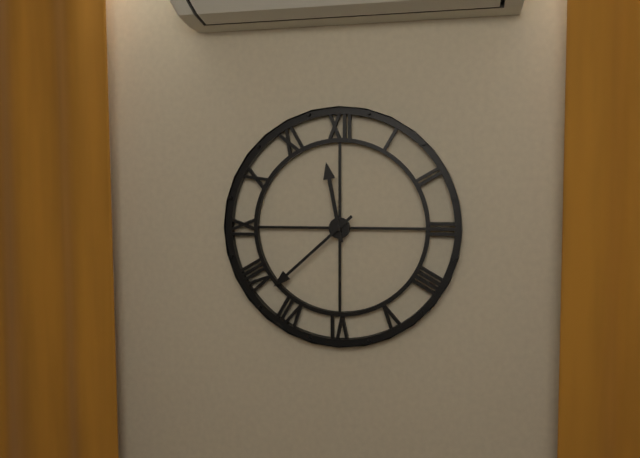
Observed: **11:38**
